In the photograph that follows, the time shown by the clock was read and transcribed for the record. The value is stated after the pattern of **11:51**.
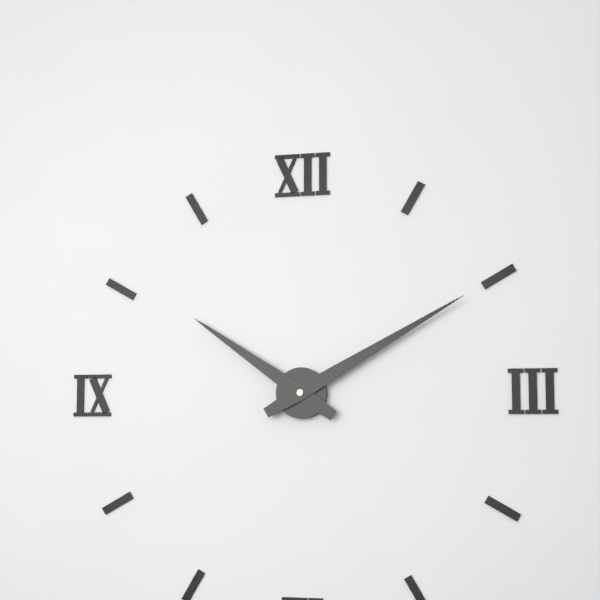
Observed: **10:10**
